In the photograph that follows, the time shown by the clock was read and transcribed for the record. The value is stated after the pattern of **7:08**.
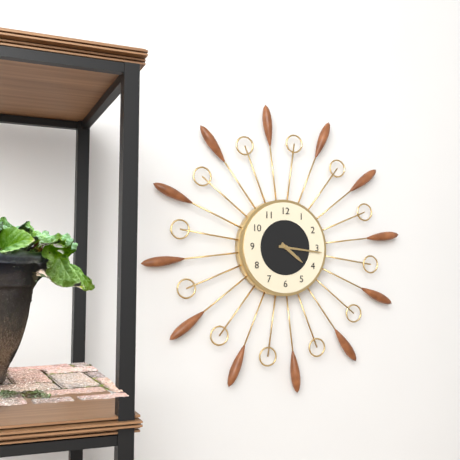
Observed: **4:16**
